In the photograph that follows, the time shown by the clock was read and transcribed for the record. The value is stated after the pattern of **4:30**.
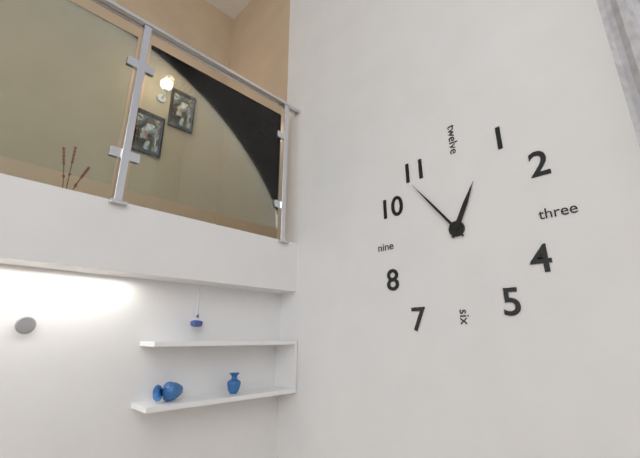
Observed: **12:54**
